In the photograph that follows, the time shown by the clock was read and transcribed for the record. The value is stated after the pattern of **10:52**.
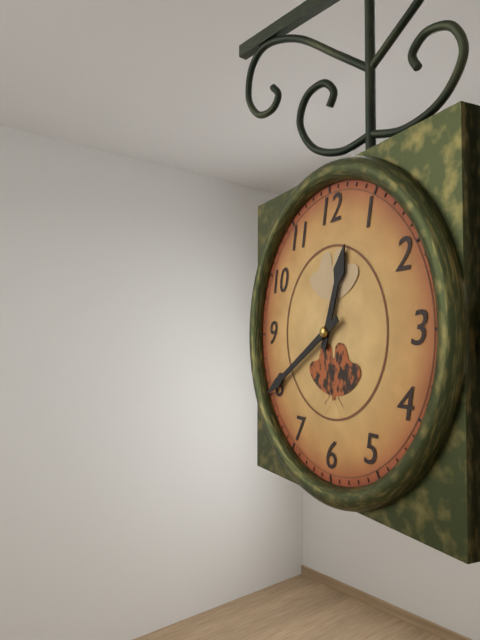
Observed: **12:40**
